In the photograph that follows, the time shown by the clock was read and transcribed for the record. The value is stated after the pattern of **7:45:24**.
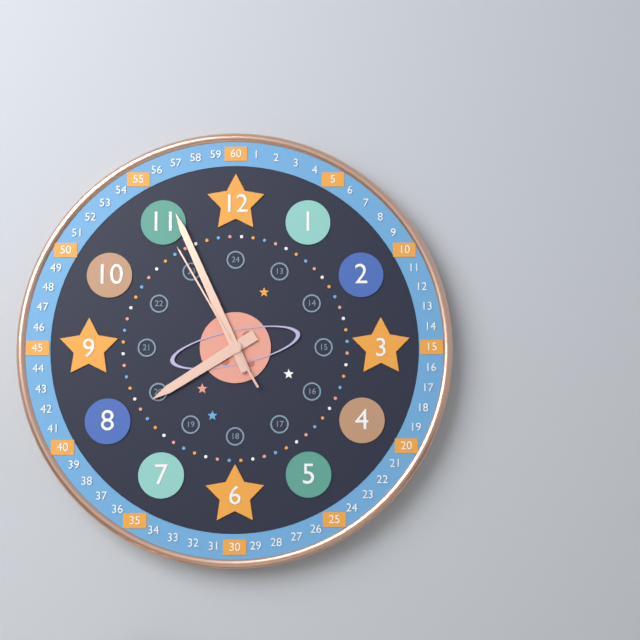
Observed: **7:56:55**
